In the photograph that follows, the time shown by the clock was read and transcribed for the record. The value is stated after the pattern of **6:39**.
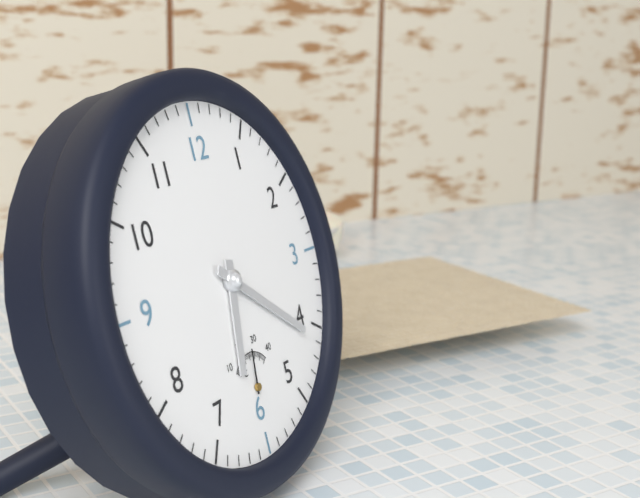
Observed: **6:21**
